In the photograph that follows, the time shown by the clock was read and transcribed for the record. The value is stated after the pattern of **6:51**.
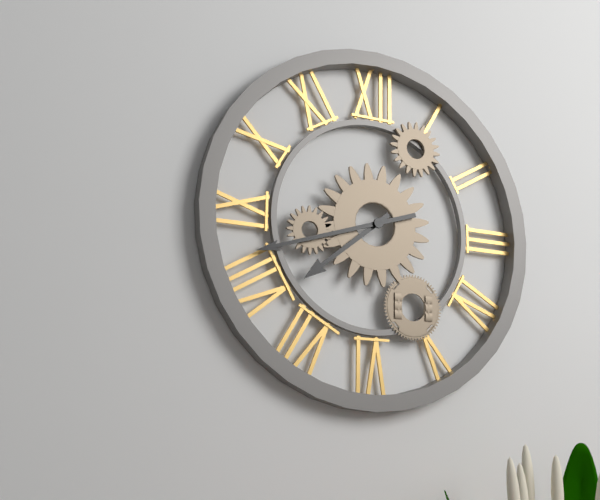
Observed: **7:42**
